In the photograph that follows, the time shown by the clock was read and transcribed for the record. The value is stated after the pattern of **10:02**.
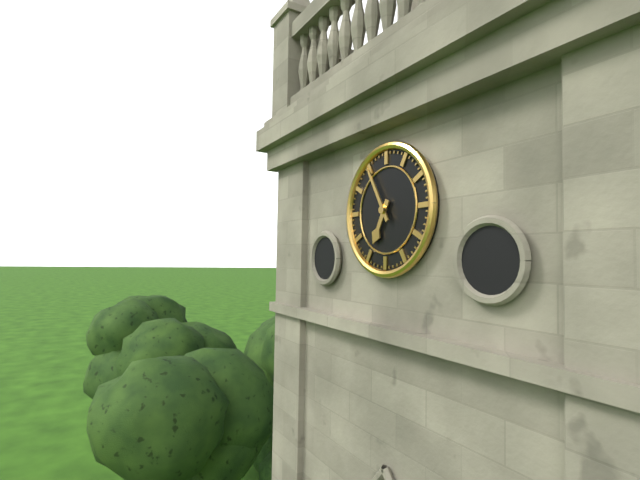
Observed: **6:55**
